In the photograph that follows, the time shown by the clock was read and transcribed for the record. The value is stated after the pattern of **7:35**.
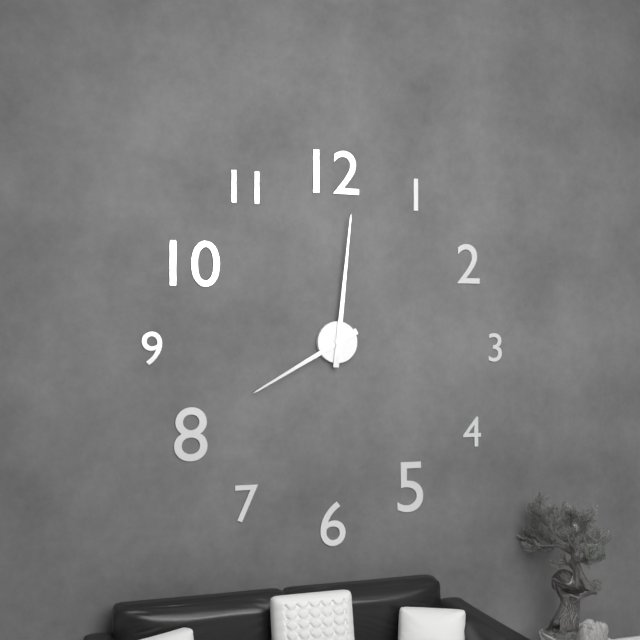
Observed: **8:01**
